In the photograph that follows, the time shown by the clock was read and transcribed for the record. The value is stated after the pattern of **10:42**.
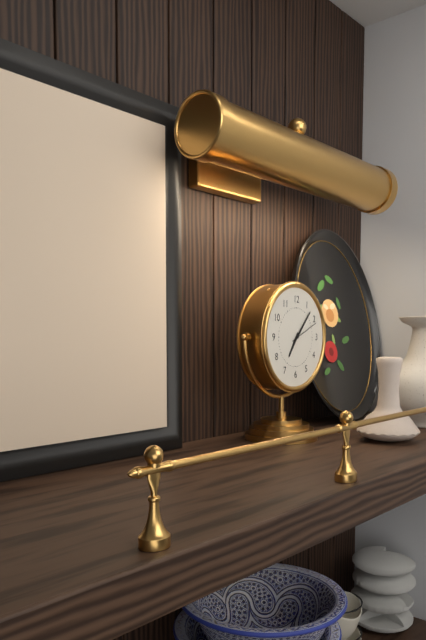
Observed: **7:07**
